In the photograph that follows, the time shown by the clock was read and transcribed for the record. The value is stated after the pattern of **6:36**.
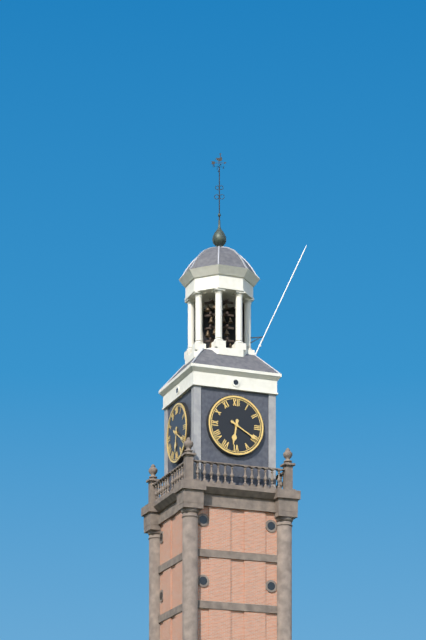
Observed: **6:20**
